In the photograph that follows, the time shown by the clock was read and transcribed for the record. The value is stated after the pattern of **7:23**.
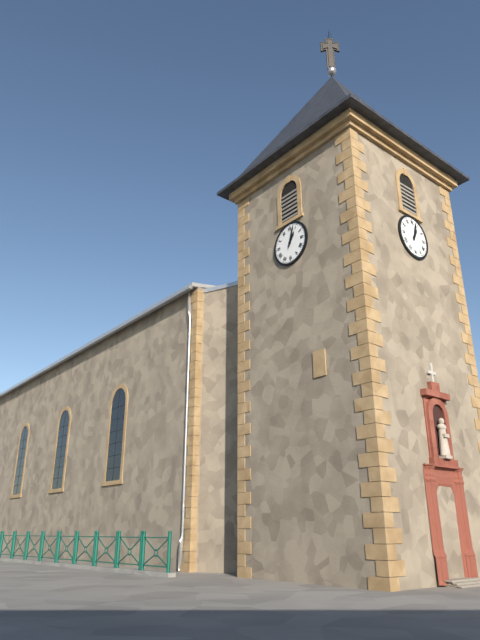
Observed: **1:03**
